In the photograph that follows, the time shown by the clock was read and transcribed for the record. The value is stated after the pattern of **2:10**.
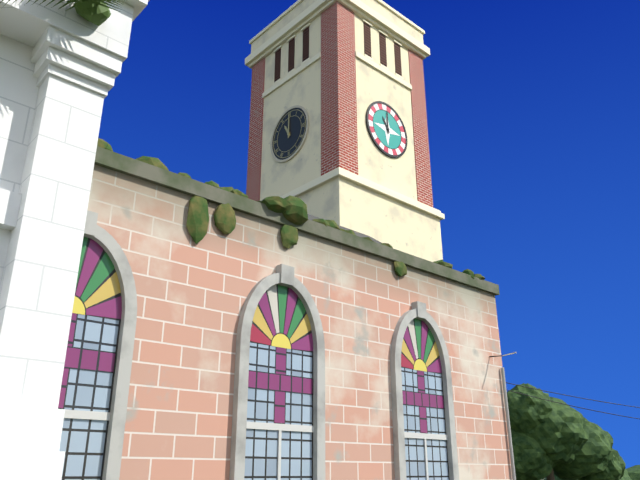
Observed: **11:00**
